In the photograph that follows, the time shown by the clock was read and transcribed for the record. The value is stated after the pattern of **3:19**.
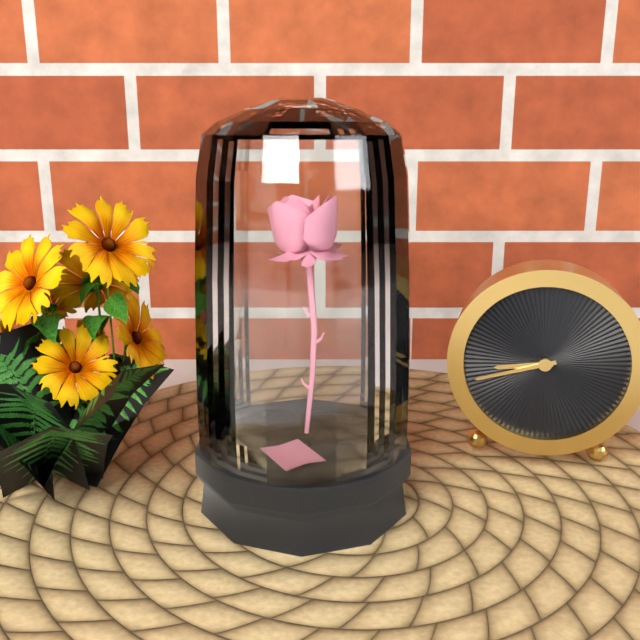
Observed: **8:42**
